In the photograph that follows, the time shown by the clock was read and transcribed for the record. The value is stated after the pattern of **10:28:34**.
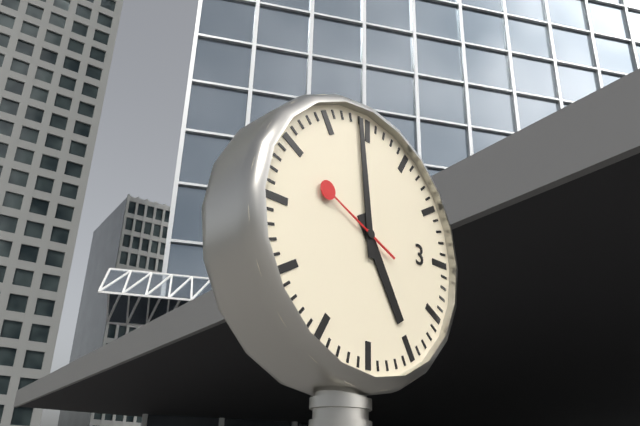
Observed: **4:59:49**
